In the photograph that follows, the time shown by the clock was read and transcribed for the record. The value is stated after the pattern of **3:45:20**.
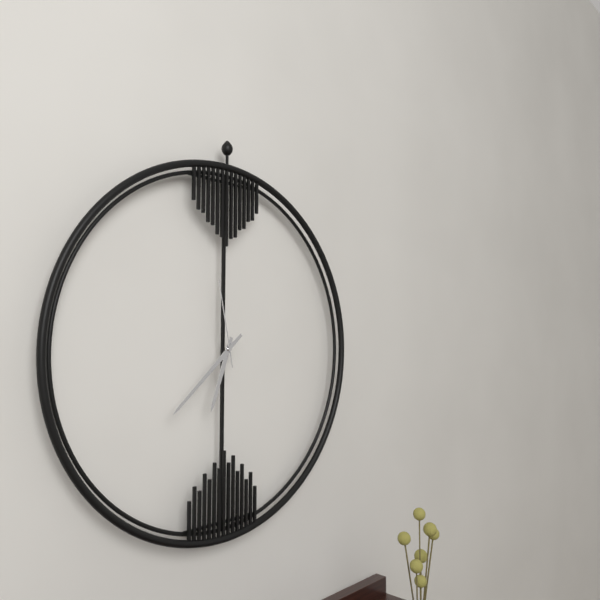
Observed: **6:38:58**
